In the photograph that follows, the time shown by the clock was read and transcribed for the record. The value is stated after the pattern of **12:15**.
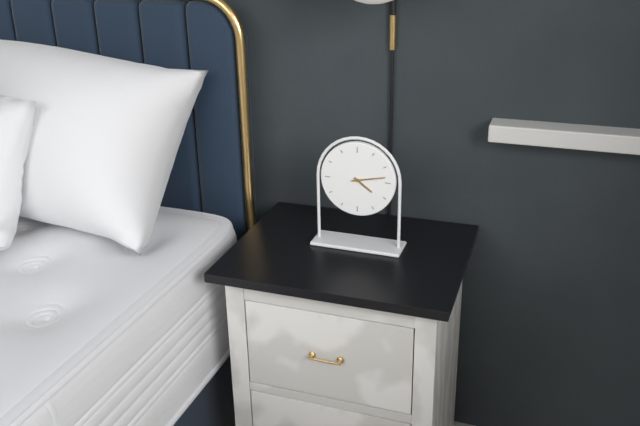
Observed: **4:13**
